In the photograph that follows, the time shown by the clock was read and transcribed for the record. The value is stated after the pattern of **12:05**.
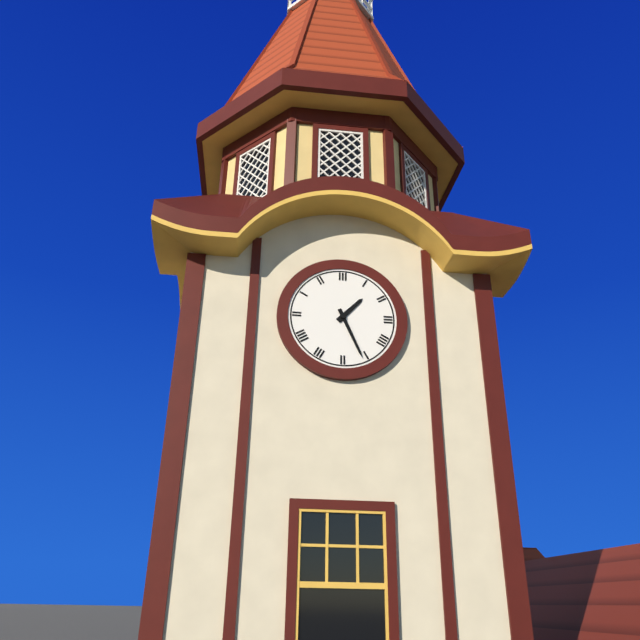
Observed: **1:26**
